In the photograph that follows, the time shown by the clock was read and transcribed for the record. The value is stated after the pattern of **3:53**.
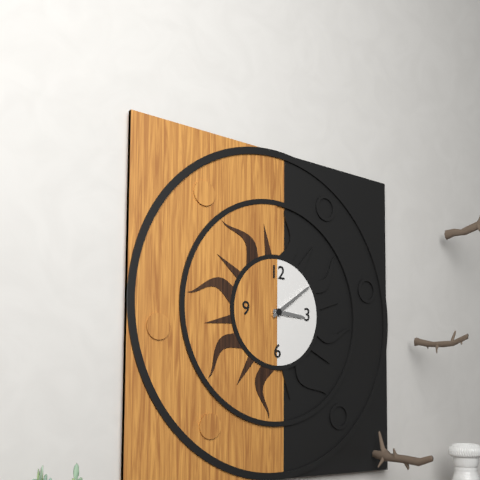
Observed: **3:09**
